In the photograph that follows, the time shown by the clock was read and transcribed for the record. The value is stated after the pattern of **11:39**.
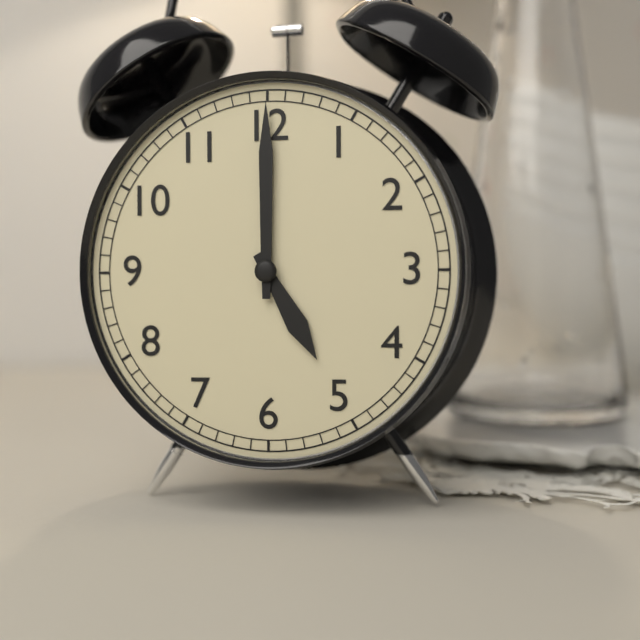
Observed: **5:00**
